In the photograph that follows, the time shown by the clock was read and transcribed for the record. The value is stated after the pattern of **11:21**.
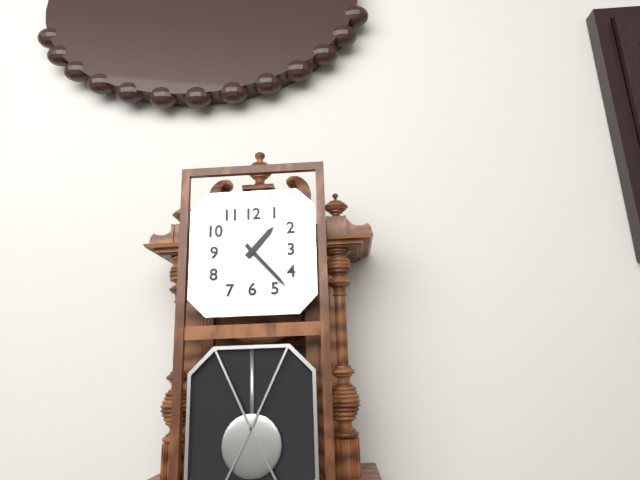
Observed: **1:23**
